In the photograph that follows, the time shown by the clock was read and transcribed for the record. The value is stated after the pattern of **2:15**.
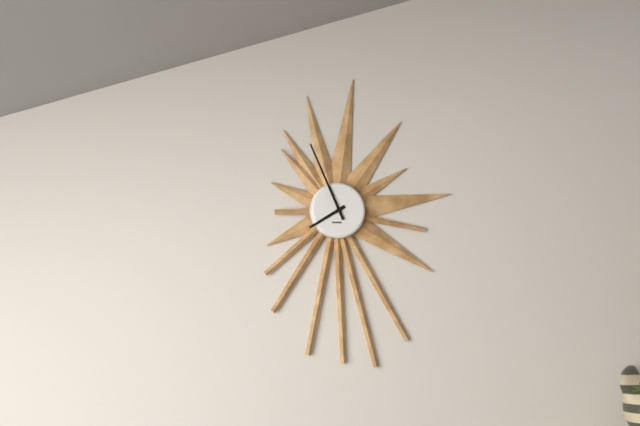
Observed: **7:56**
